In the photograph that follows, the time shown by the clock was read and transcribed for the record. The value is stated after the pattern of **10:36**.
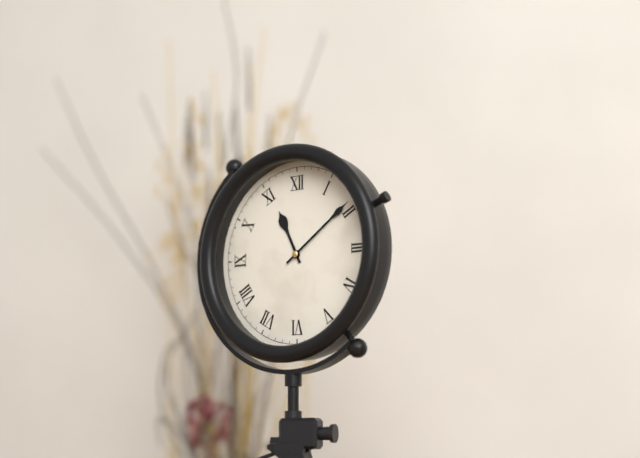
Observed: **11:09**
